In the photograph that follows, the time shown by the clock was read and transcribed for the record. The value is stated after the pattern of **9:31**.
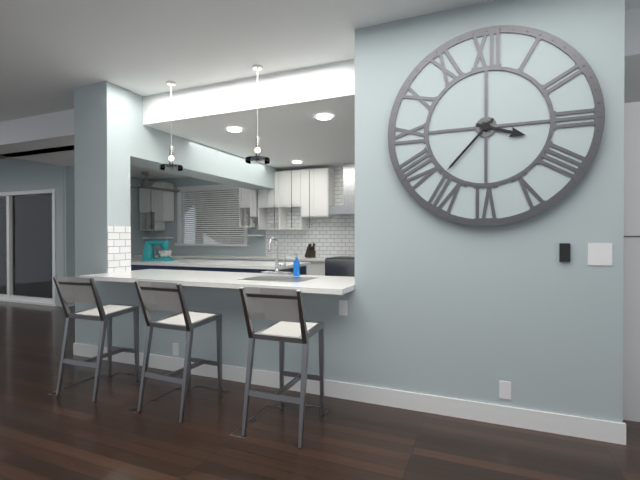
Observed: **3:37**
